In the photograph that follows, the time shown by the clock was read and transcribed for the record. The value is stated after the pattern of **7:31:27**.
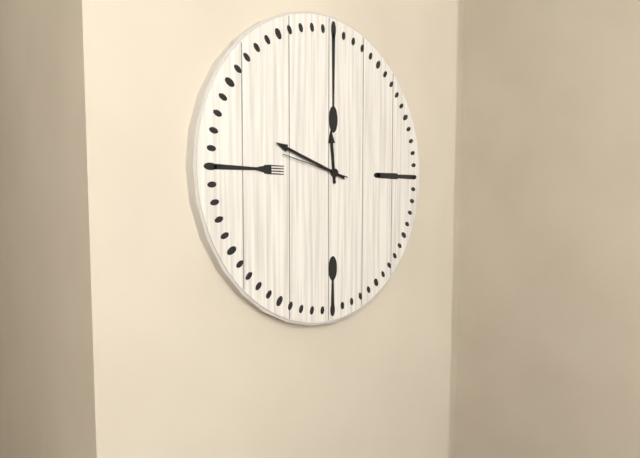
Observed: **11:48:47**
